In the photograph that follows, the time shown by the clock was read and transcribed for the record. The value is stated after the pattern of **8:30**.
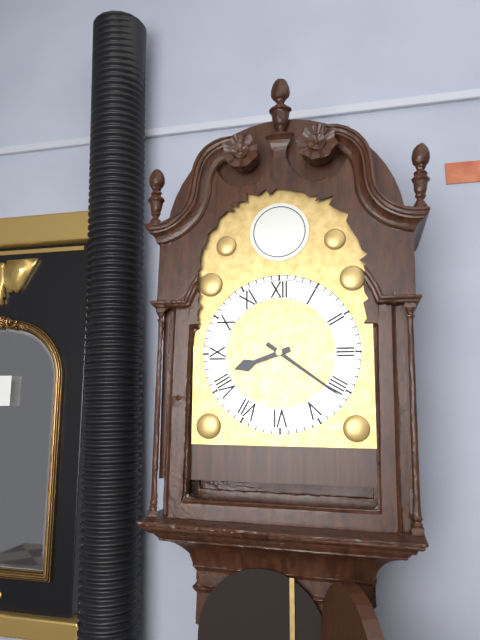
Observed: **8:21**
